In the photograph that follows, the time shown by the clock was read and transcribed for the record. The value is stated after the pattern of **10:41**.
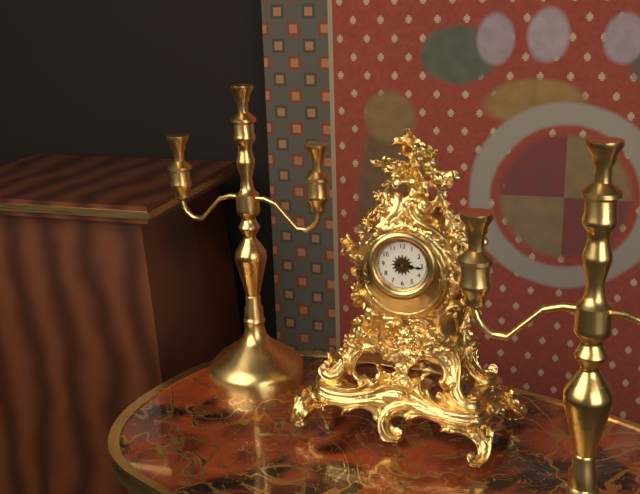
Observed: **3:16**
